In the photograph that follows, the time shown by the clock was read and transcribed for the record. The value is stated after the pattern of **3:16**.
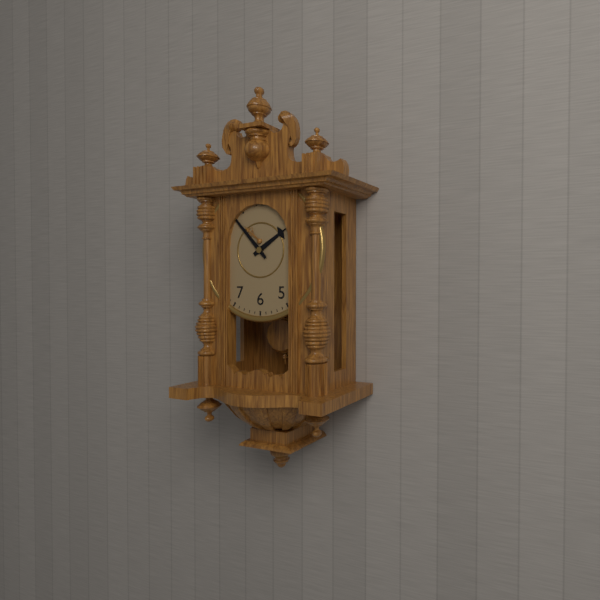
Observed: **1:53**
